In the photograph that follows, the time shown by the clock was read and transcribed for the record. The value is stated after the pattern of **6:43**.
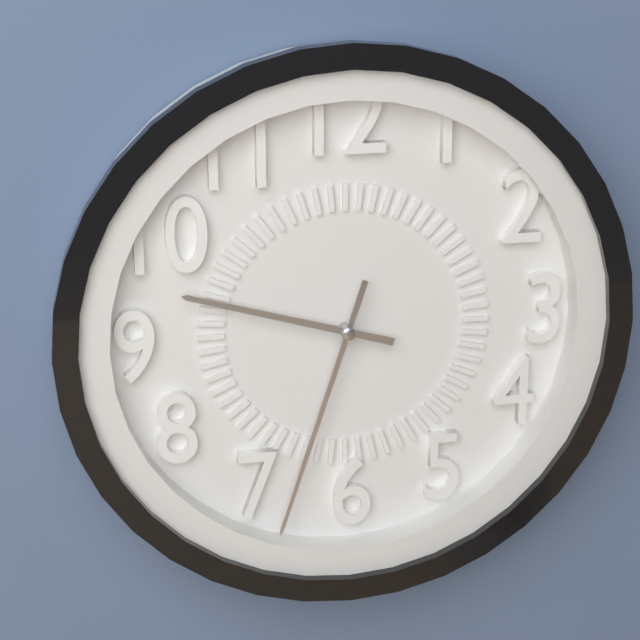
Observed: **9:33**
